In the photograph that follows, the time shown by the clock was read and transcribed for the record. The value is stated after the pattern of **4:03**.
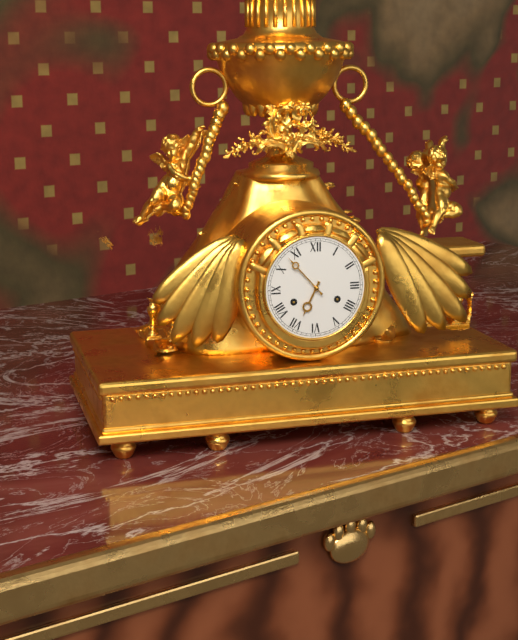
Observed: **6:53**
